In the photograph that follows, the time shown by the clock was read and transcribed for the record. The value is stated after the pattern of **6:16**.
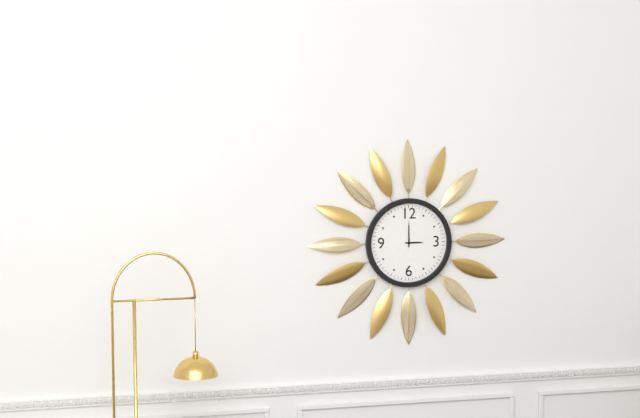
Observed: **3:00**
